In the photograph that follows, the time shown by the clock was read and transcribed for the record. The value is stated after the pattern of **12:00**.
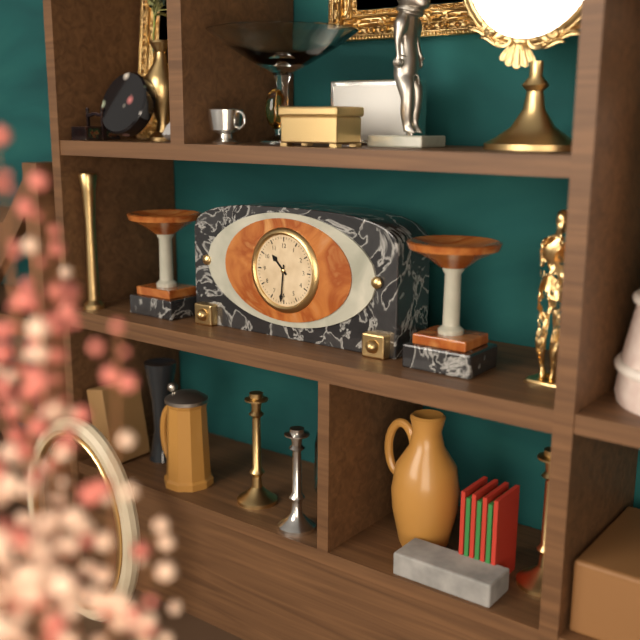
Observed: **10:31**
